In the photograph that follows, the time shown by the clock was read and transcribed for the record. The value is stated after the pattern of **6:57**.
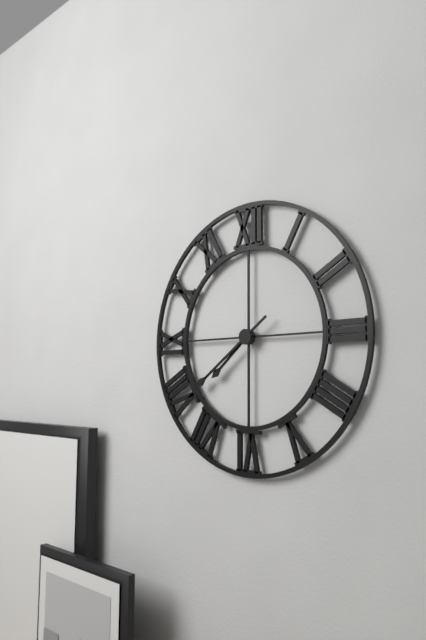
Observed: **7:39**
